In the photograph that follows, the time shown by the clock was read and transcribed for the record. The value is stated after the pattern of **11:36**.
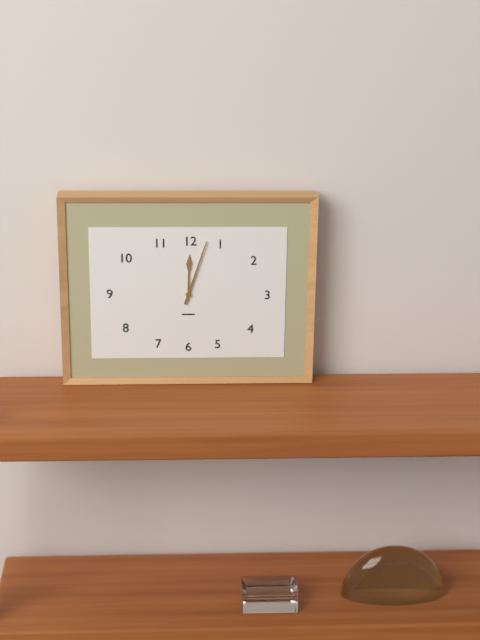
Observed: **12:03**
